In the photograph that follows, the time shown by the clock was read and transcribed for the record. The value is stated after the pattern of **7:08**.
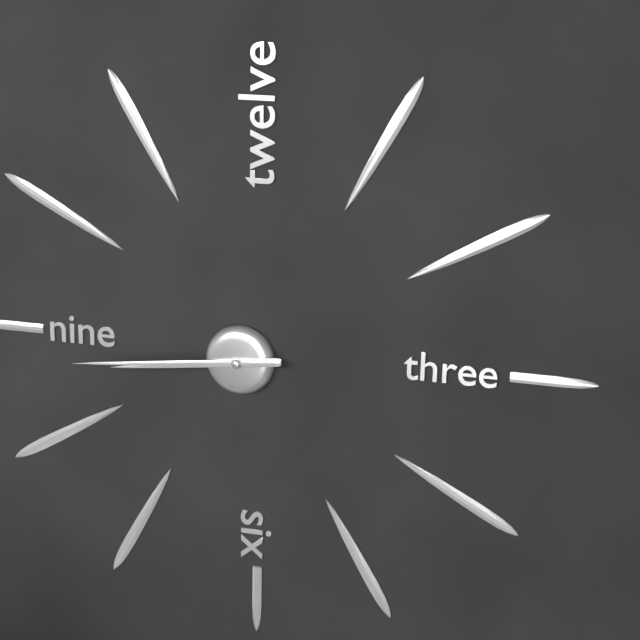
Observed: **8:44**
